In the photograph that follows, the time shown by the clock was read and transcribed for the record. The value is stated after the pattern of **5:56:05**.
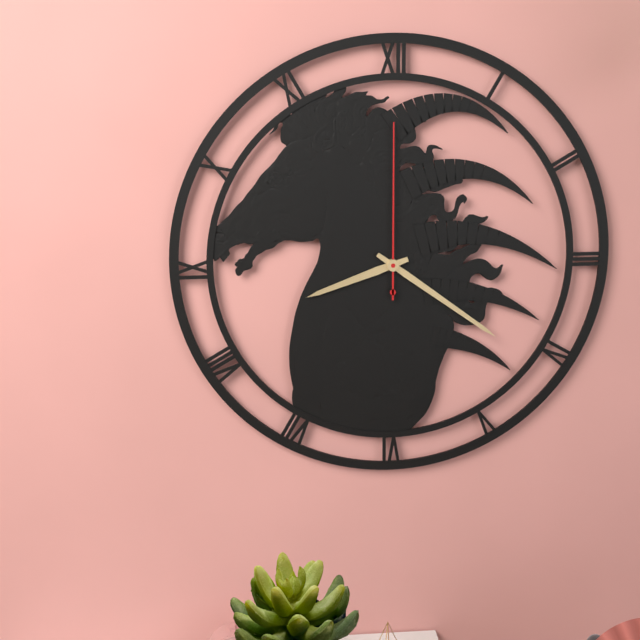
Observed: **8:21:00**
